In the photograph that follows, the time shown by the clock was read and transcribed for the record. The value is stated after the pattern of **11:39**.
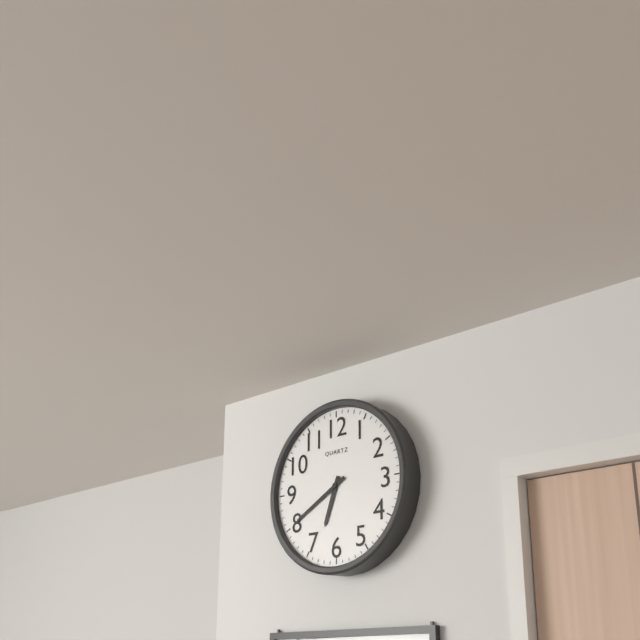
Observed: **6:40**
